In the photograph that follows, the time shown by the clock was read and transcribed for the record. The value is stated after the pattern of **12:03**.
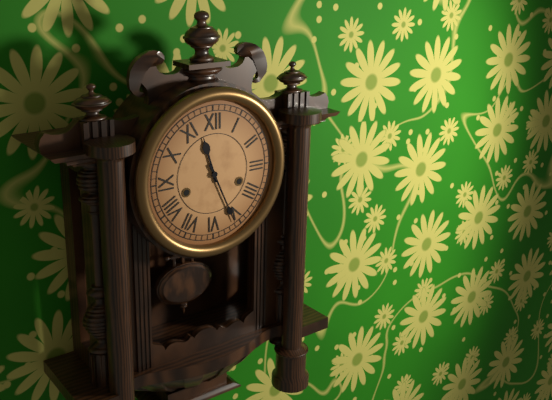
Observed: **11:26**
